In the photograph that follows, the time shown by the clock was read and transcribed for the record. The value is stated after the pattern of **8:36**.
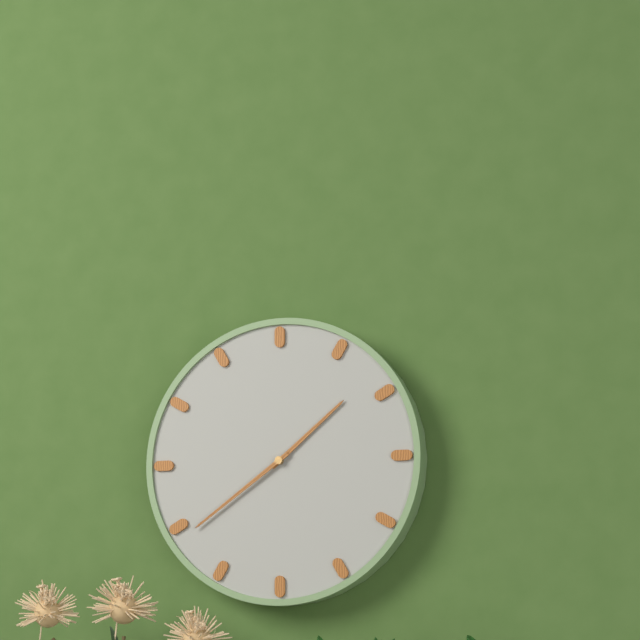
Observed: **1:39**
